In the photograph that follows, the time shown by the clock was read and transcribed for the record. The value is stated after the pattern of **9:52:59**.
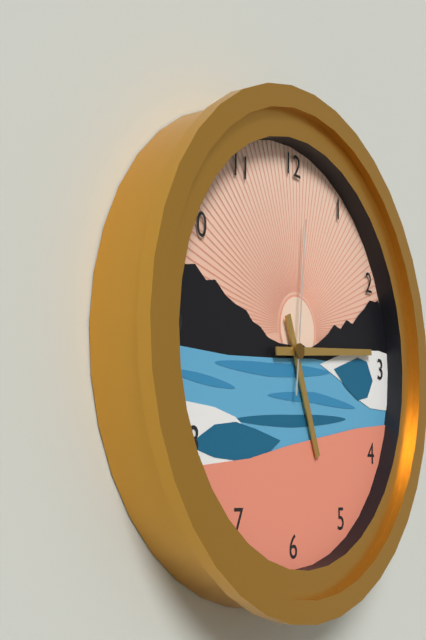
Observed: **5:14:01**
